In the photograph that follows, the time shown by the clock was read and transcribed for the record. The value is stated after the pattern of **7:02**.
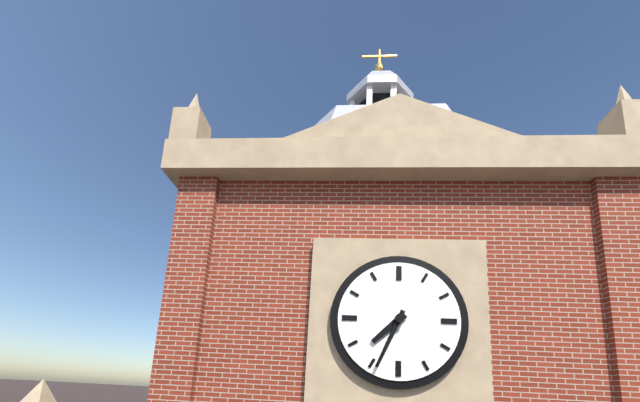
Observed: **7:34**
